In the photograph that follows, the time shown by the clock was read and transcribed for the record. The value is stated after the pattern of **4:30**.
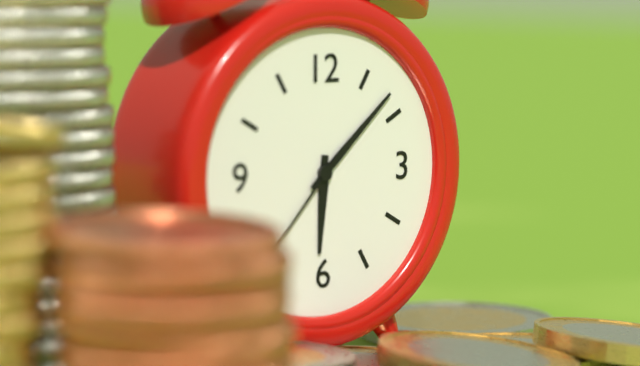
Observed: **6:08**
